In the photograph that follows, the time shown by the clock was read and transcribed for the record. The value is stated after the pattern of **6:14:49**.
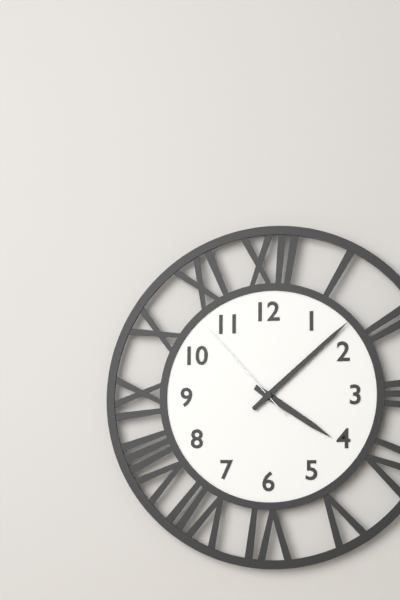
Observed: **4:08:53**
